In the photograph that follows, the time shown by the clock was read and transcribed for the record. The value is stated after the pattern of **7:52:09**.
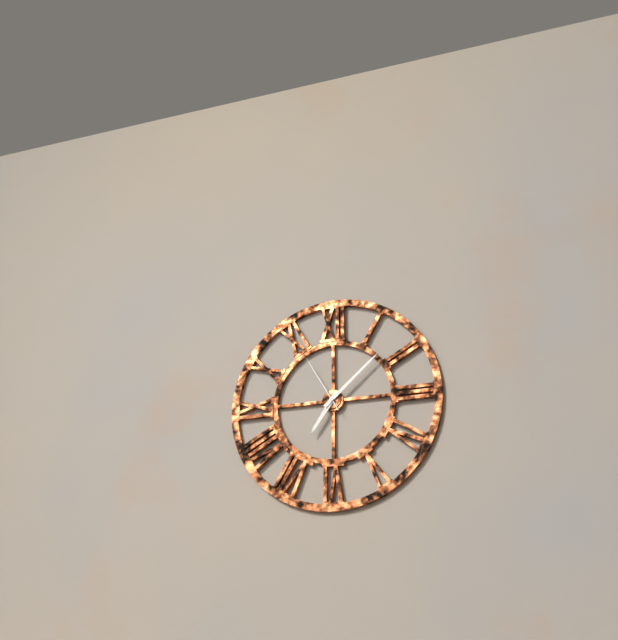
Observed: **7:08:55**
